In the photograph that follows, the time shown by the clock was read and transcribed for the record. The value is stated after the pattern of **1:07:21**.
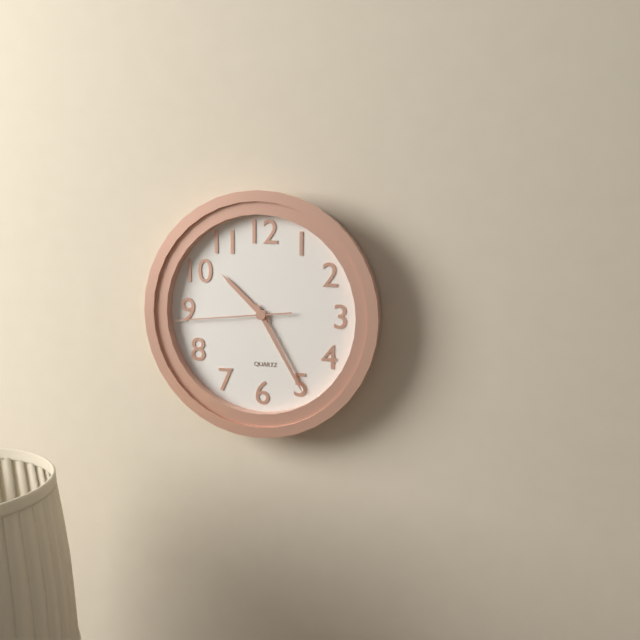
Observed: **10:25:44**
